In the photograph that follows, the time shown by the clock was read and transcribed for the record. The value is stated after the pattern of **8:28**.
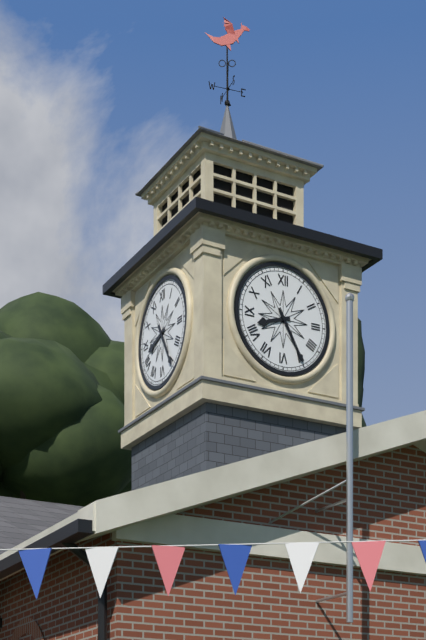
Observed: **8:25**
